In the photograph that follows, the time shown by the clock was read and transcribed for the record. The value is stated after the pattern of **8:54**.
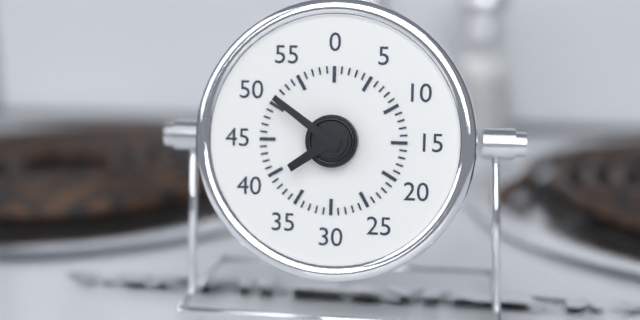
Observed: **7:51**
